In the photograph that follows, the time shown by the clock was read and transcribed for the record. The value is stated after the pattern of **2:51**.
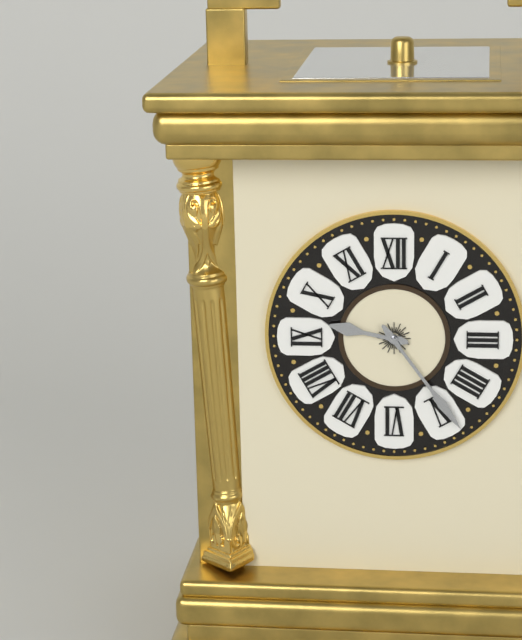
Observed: **9:24**
